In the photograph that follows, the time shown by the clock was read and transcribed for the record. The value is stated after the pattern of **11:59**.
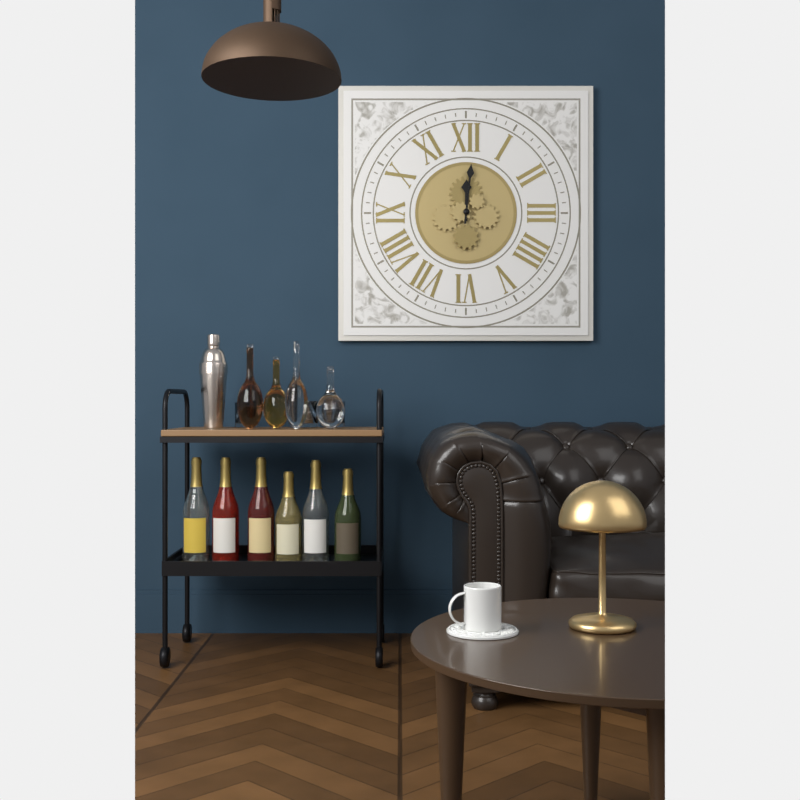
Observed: **12:01**
